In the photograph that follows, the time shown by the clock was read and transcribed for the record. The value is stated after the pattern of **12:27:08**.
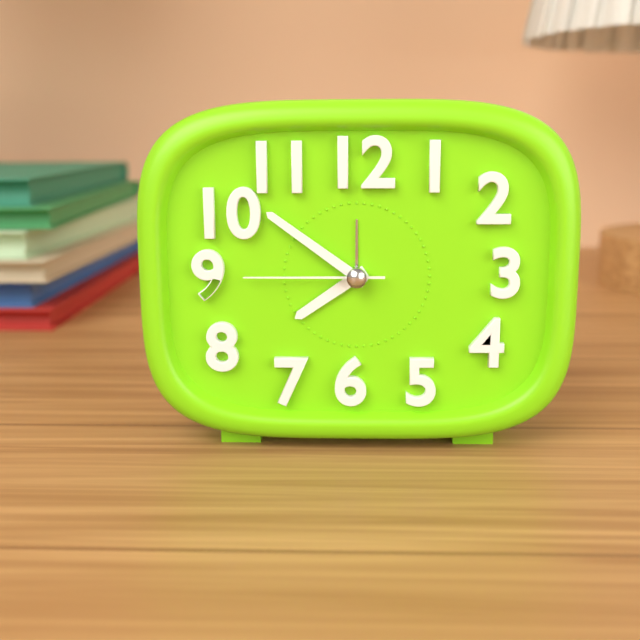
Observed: **7:51:45**
